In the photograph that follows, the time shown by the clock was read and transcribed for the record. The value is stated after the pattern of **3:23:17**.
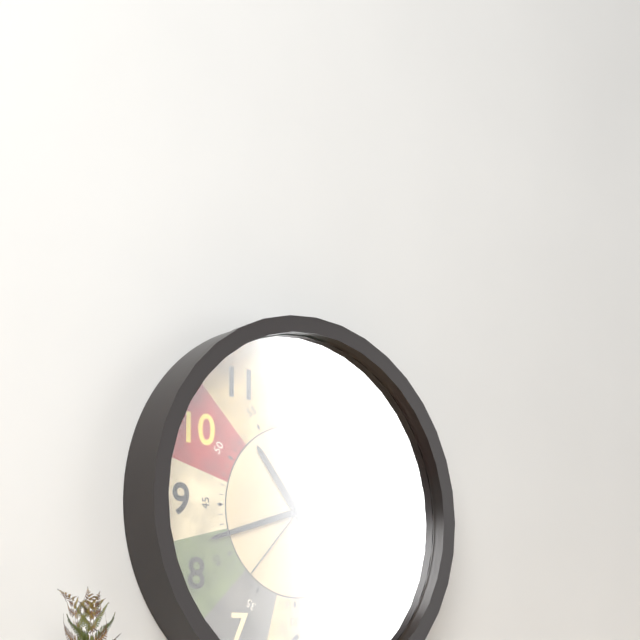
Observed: **10:42:37**
